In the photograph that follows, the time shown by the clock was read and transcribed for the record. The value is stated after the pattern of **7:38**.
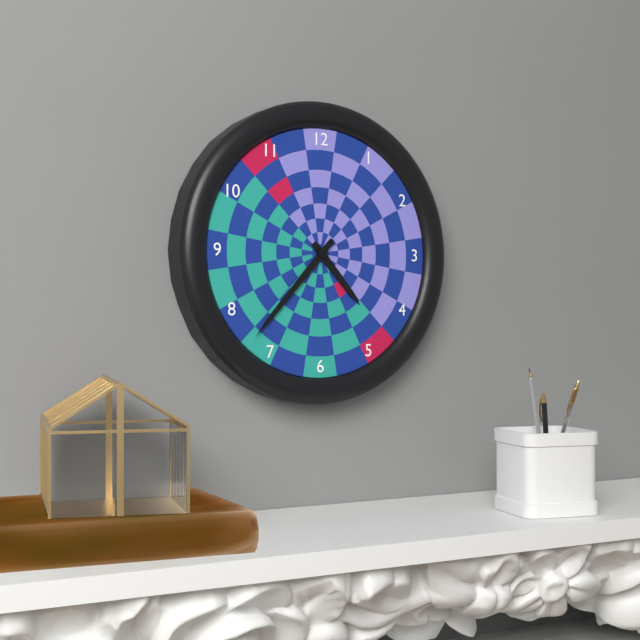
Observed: **4:37**
